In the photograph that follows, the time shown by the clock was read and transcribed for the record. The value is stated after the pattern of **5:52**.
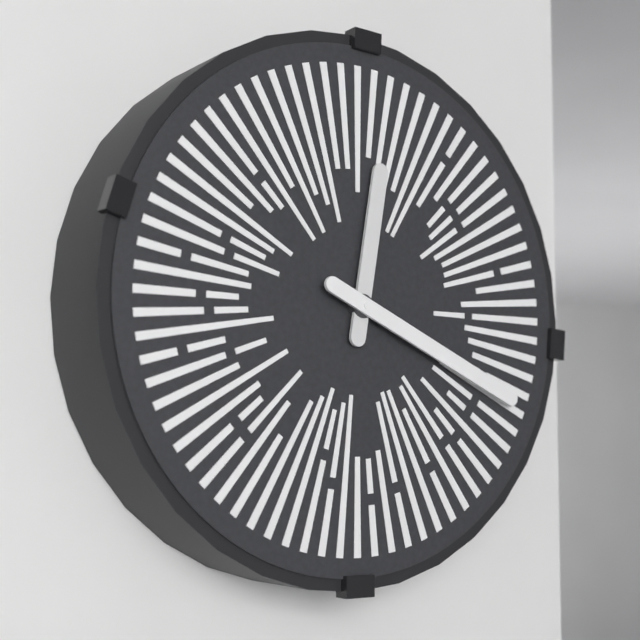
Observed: **12:19**
